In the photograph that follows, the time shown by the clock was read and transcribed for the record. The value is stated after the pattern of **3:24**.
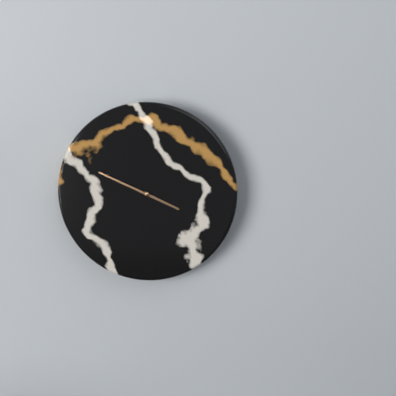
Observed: **3:49**
